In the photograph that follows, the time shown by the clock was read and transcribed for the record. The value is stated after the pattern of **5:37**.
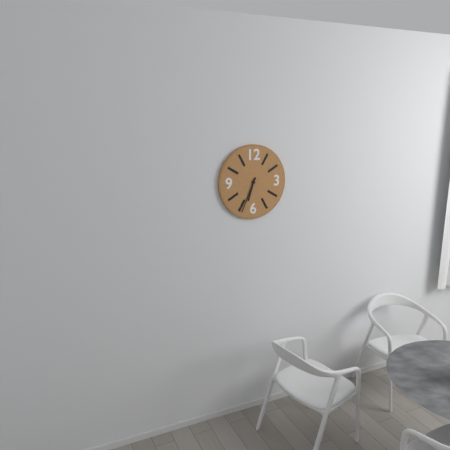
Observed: **6:34**
